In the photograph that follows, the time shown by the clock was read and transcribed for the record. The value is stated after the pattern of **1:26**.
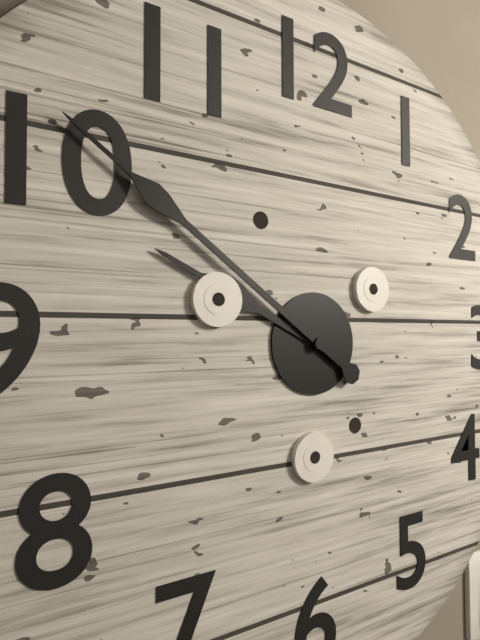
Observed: **9:51**
